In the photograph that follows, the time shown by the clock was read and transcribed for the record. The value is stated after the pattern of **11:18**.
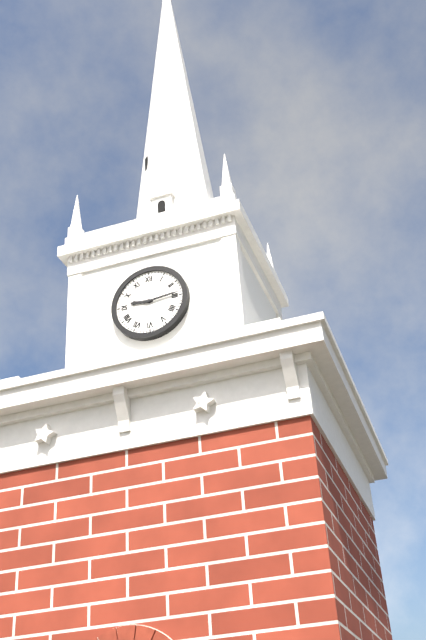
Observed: **9:14**
